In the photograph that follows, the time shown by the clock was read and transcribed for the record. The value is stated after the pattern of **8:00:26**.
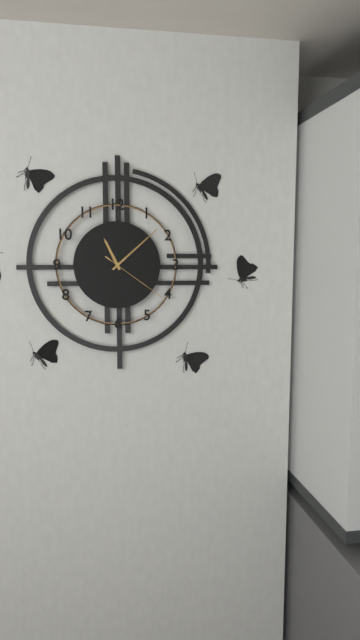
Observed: **11:08:21**
